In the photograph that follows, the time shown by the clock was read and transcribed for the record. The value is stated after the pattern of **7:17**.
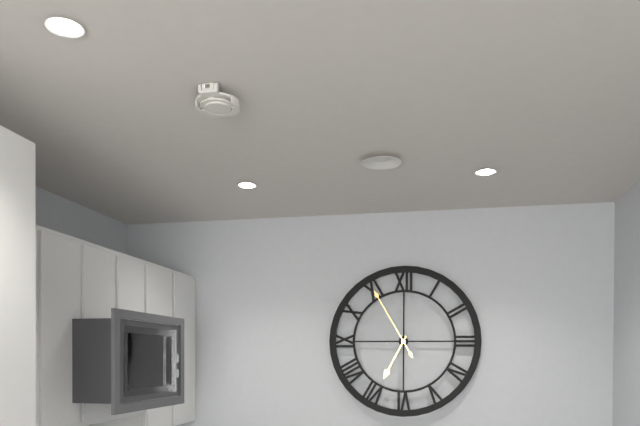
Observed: **6:55**
